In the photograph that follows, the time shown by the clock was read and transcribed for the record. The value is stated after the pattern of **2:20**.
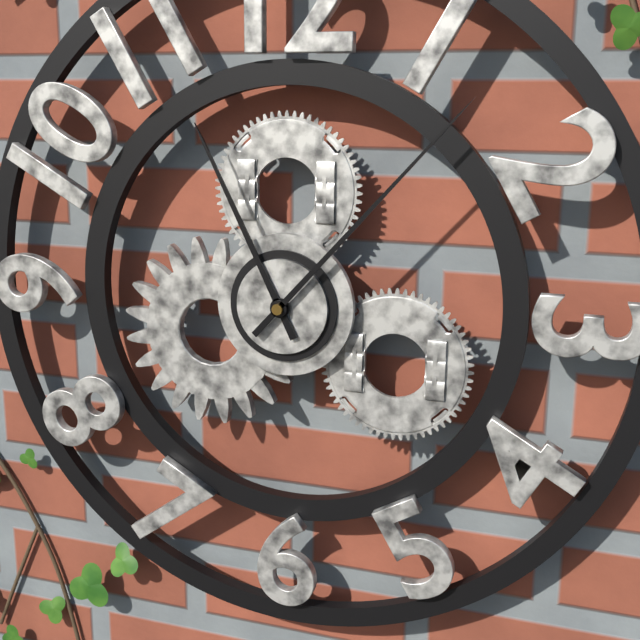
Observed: **11:07**
